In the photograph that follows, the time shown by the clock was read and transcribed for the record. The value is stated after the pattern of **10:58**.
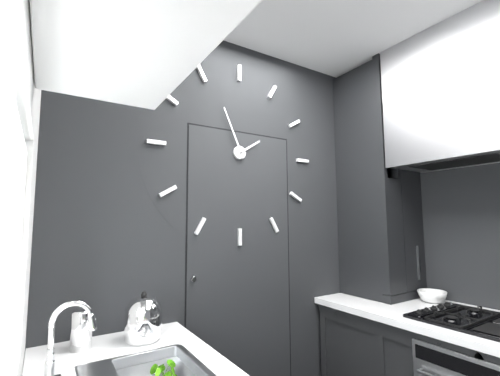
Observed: **1:56**
